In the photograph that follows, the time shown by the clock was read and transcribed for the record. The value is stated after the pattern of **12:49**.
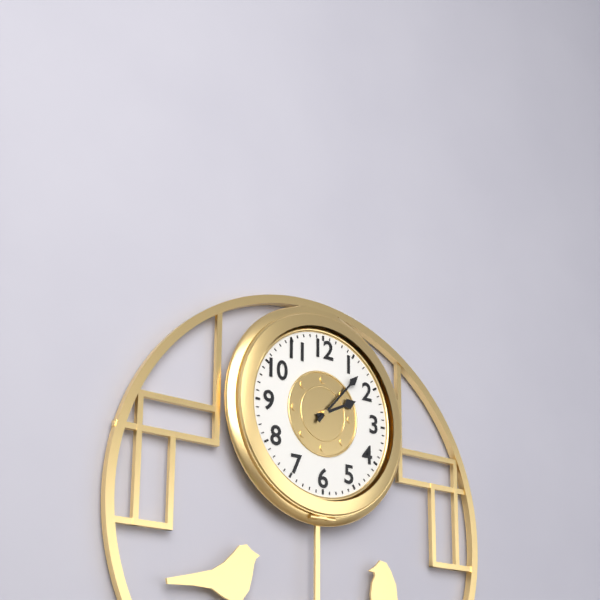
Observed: **2:07**
